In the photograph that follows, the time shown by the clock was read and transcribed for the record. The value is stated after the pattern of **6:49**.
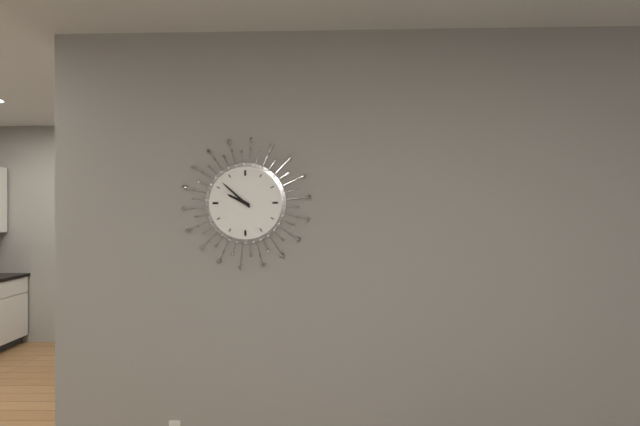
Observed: **9:52**
